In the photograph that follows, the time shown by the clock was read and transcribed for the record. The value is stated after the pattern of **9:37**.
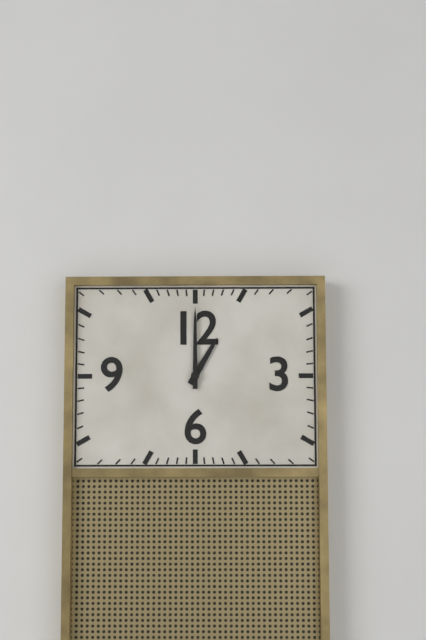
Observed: **1:00**
